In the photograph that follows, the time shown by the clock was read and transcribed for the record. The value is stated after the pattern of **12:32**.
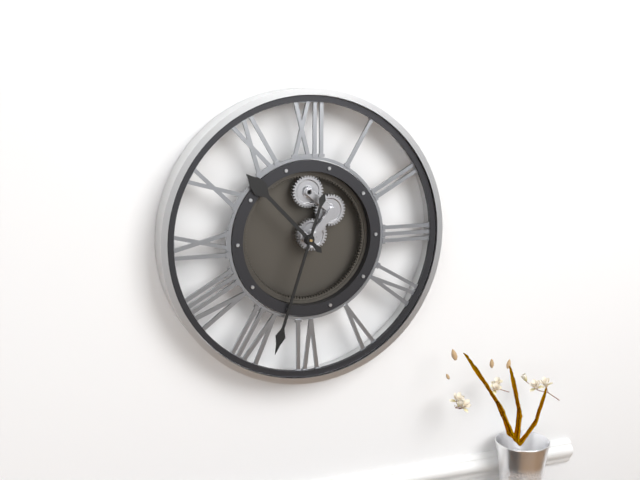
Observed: **10:33**
